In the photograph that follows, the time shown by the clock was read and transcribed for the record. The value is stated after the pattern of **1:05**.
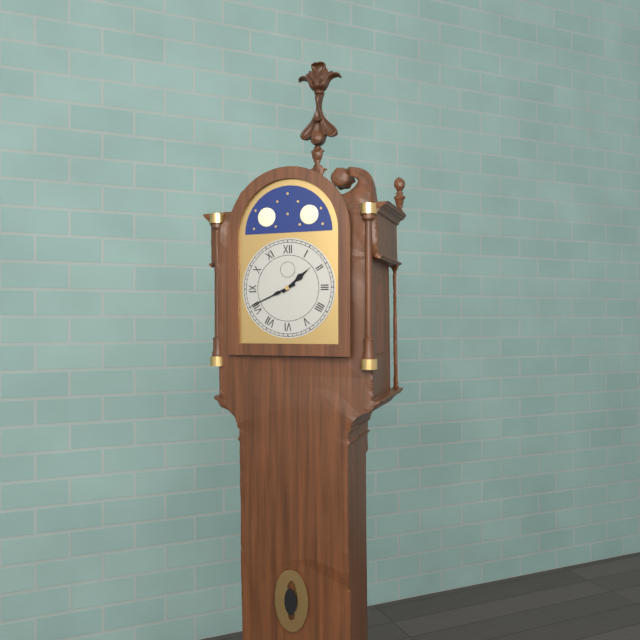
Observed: **1:41**
